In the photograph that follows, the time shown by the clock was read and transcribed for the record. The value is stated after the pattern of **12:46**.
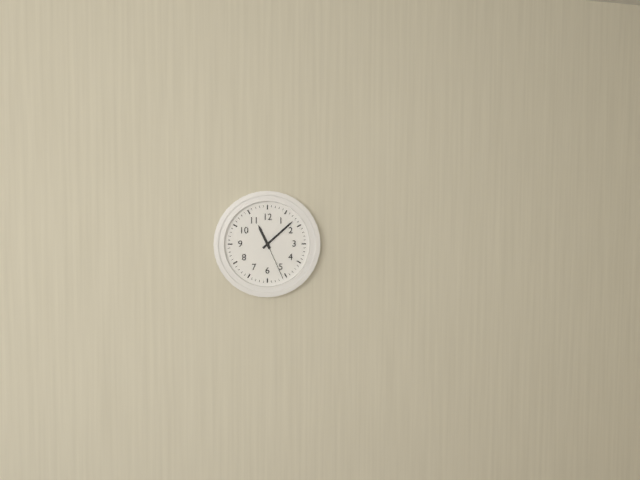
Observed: **11:08**
